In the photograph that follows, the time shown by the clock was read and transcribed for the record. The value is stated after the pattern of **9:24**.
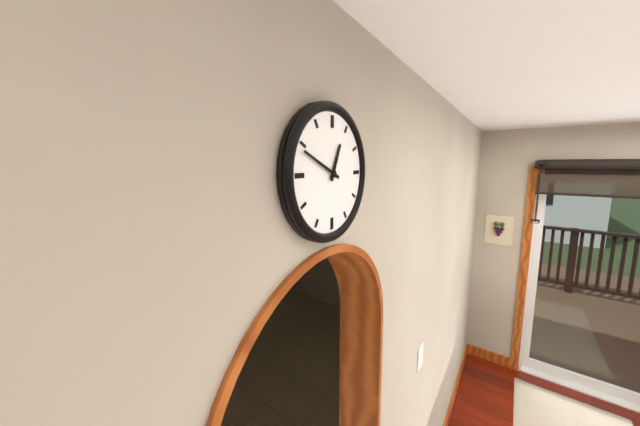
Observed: **12:49**
